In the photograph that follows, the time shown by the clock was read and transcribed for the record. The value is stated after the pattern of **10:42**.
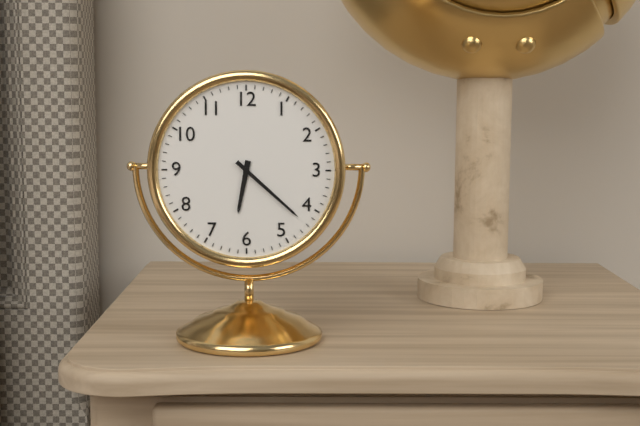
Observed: **6:22**
